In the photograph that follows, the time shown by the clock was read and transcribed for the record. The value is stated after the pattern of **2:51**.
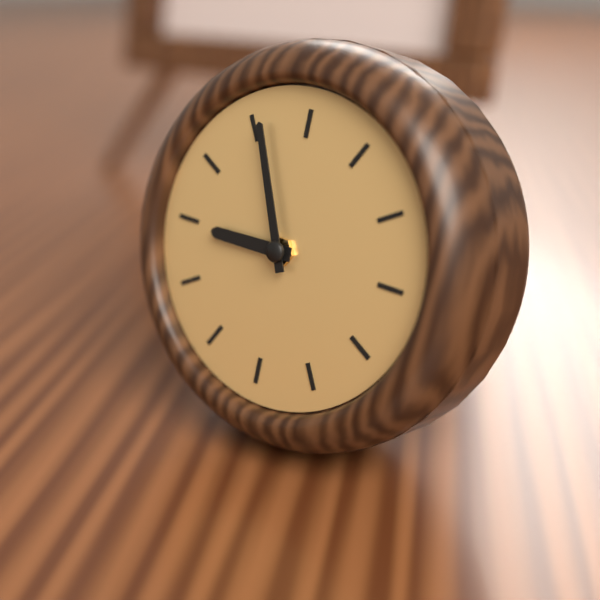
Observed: **8:56**
